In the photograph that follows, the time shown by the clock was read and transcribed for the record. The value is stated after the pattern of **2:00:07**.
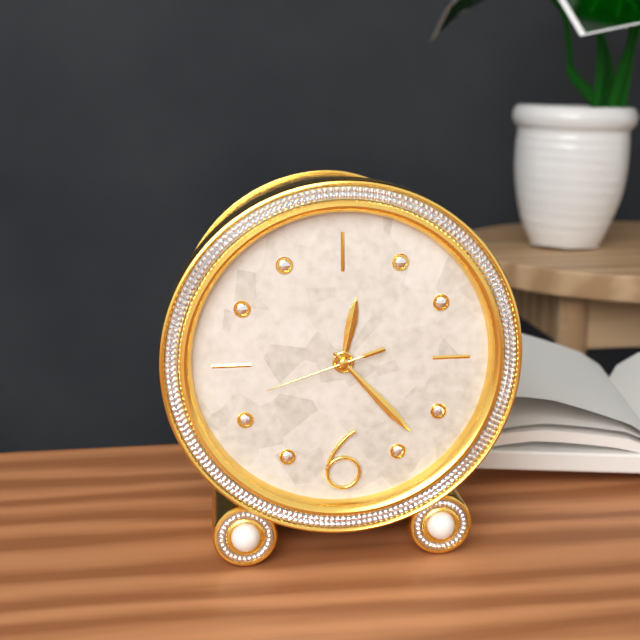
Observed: **12:23:42**
